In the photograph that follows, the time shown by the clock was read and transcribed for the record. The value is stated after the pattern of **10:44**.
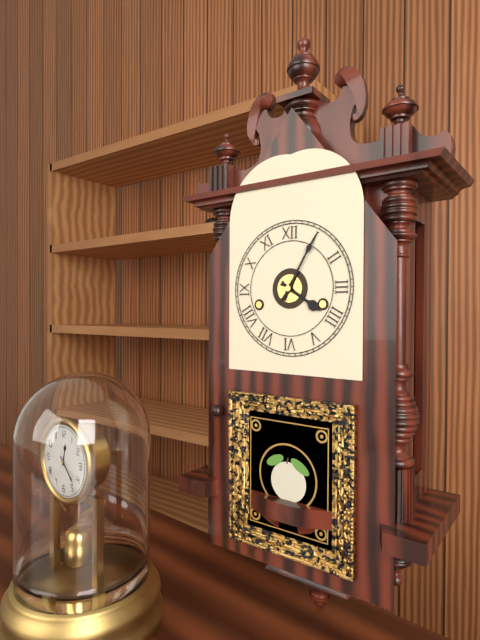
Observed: **4:05**
